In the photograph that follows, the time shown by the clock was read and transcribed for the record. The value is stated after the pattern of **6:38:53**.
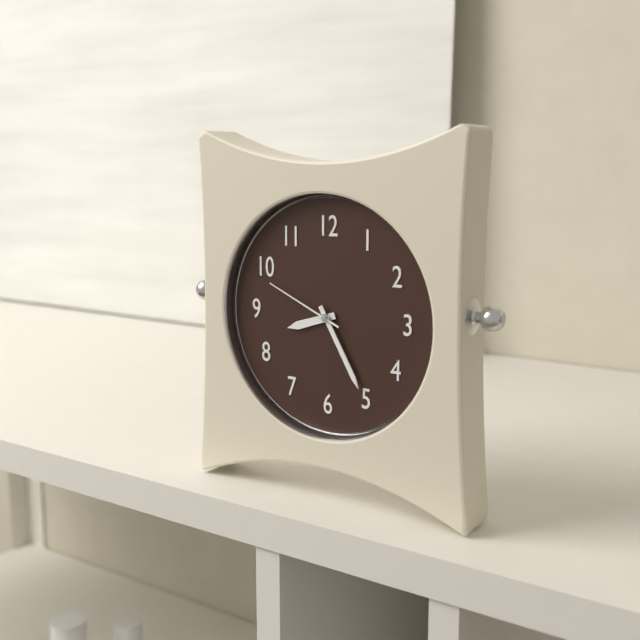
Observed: **8:25:49**
